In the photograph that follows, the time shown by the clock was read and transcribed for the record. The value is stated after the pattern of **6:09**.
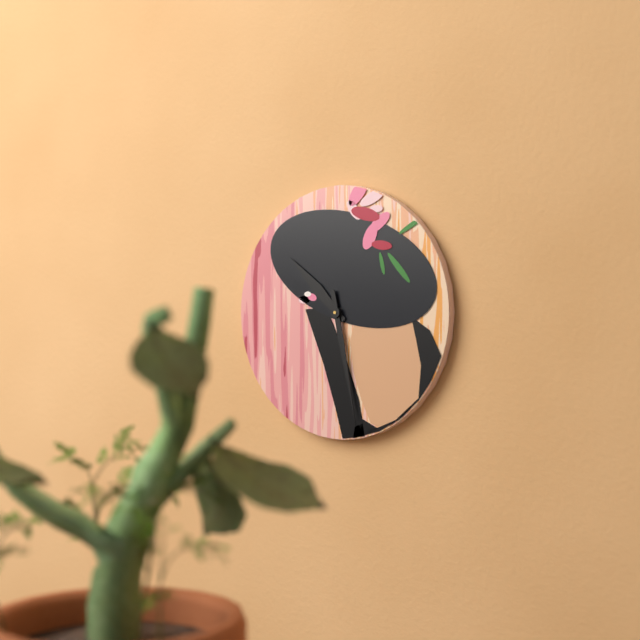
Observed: **10:28**
